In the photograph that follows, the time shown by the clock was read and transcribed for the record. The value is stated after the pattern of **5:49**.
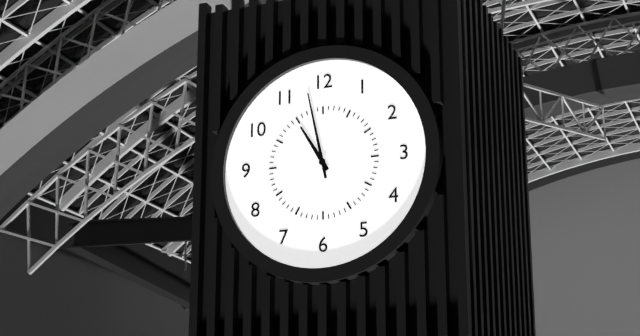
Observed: **10:58**
